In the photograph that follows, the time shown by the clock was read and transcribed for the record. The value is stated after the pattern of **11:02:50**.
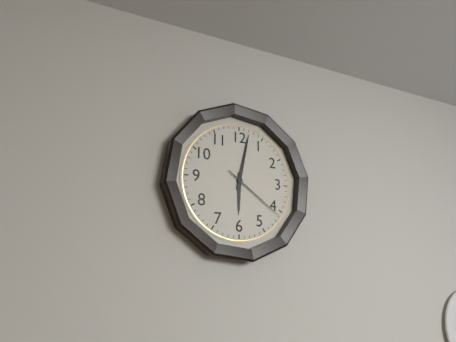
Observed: **6:02:21**
